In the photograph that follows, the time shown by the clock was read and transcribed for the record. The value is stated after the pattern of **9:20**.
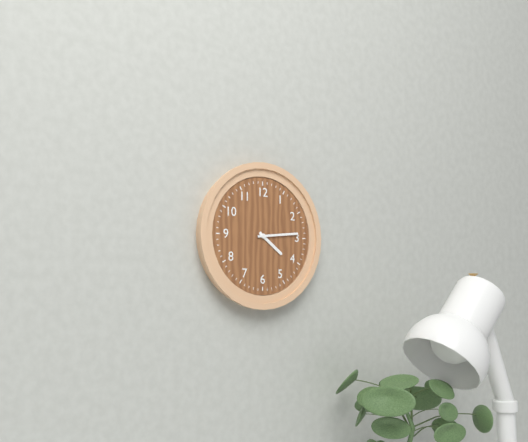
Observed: **4:14**
